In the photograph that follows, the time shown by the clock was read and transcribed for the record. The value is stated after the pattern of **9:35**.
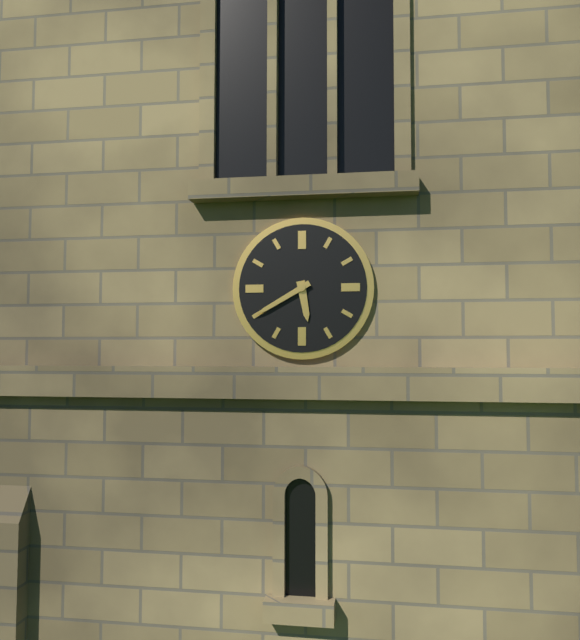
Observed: **5:40**
